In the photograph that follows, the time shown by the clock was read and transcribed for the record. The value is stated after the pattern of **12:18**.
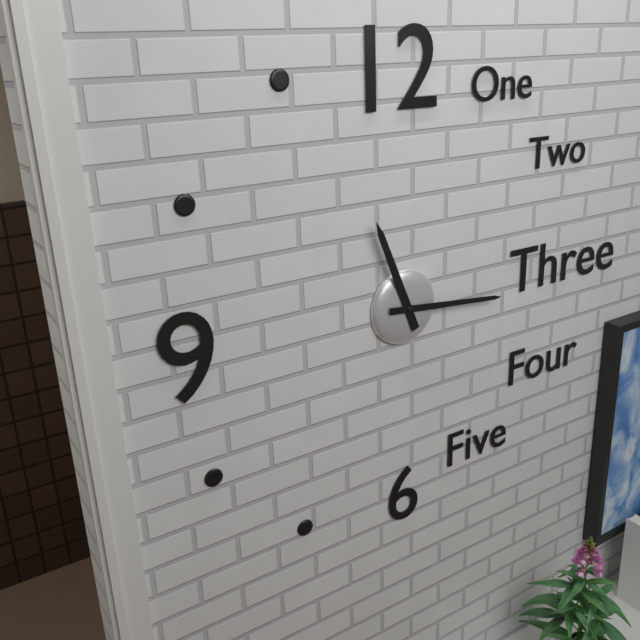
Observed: **11:16**
